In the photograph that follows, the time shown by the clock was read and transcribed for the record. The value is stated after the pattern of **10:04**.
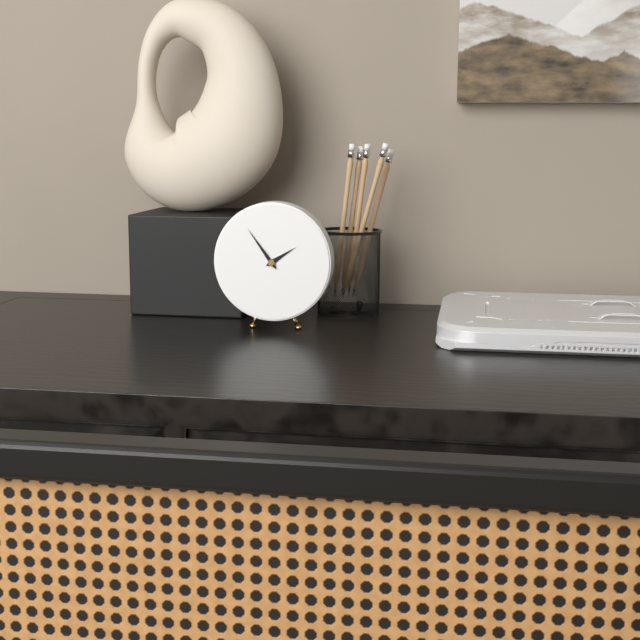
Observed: **1:54**
